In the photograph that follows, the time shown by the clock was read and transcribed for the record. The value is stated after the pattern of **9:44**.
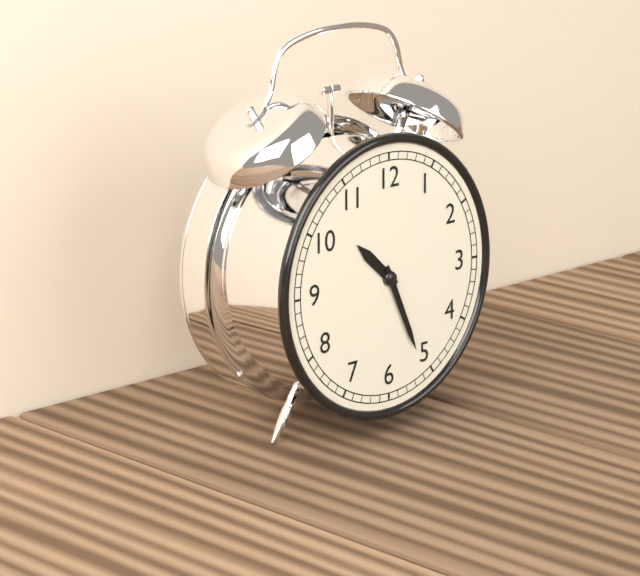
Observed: **10:26**
